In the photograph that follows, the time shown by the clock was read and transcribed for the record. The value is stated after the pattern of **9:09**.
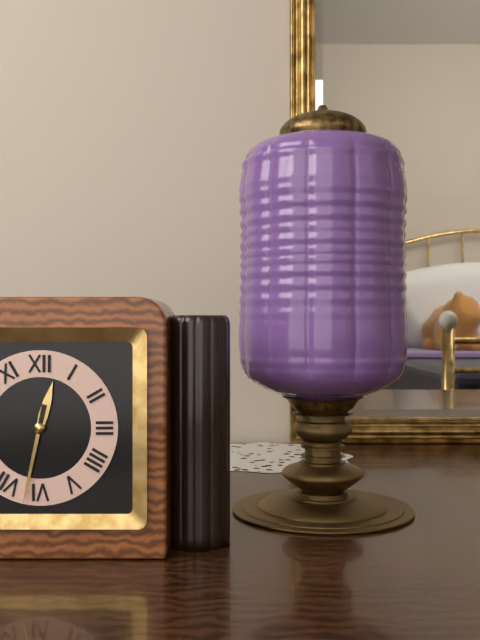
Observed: **12:32**
